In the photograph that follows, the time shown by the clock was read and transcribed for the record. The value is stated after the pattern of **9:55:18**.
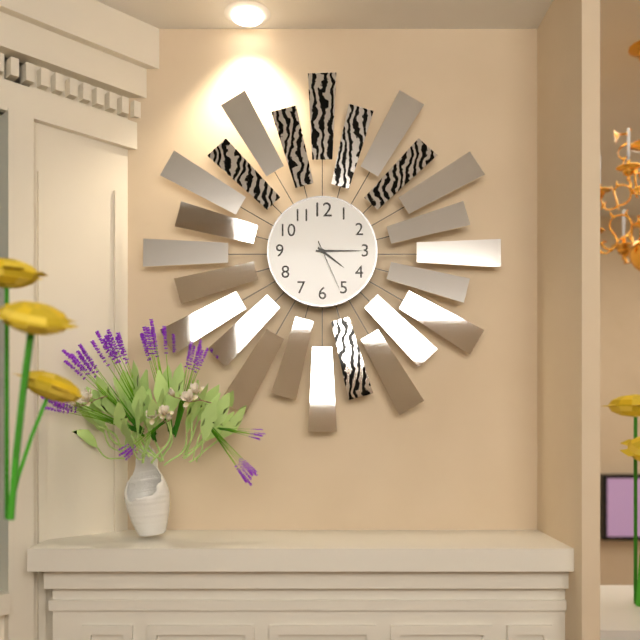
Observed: **4:15:26**
